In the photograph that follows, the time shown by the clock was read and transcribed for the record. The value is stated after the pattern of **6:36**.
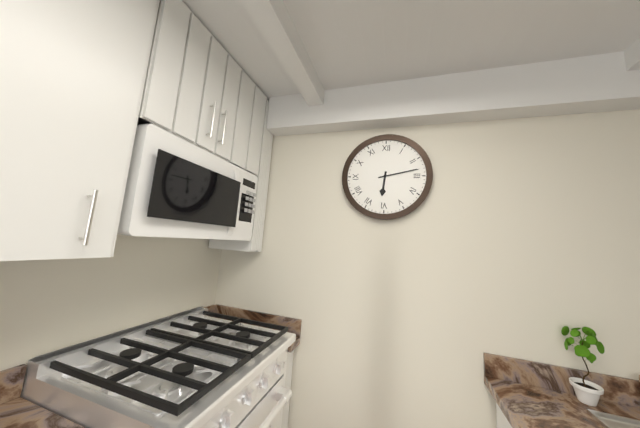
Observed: **6:13**
